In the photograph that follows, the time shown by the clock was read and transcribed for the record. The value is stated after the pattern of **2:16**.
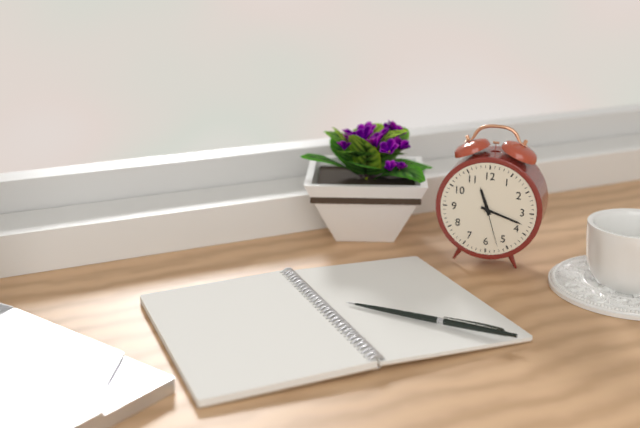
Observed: **11:18**
